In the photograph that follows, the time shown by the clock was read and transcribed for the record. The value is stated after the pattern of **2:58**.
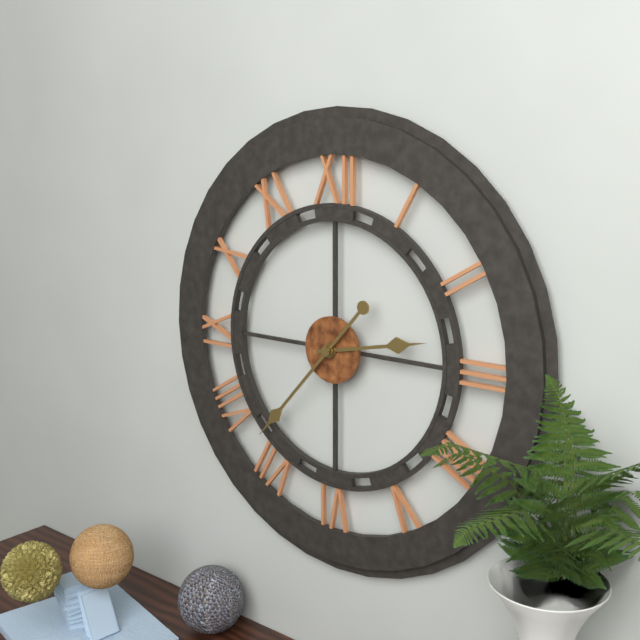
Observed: **2:37**
